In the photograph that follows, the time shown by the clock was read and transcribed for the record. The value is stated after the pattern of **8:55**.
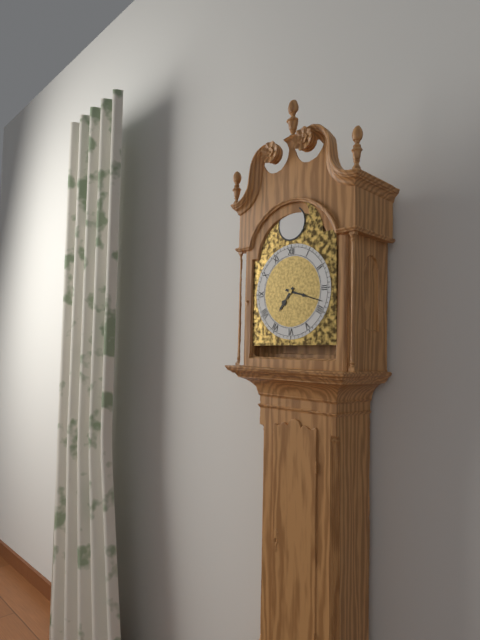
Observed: **7:18**
